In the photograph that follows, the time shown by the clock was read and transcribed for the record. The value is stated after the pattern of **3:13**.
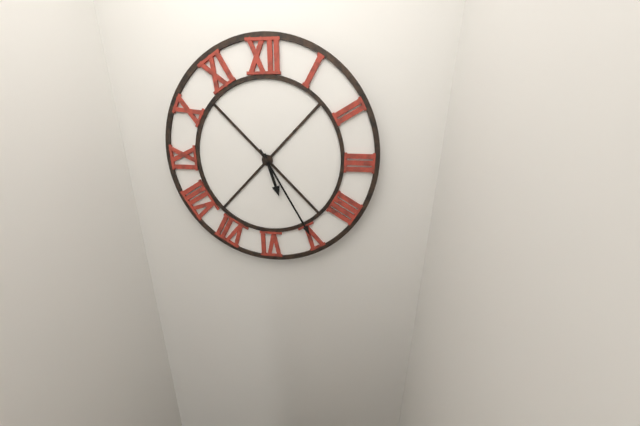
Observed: **5:25**
